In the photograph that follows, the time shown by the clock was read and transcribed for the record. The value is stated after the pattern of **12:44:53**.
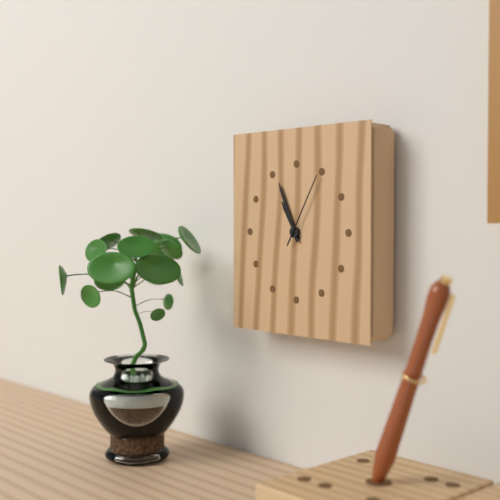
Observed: **10:56:05**
